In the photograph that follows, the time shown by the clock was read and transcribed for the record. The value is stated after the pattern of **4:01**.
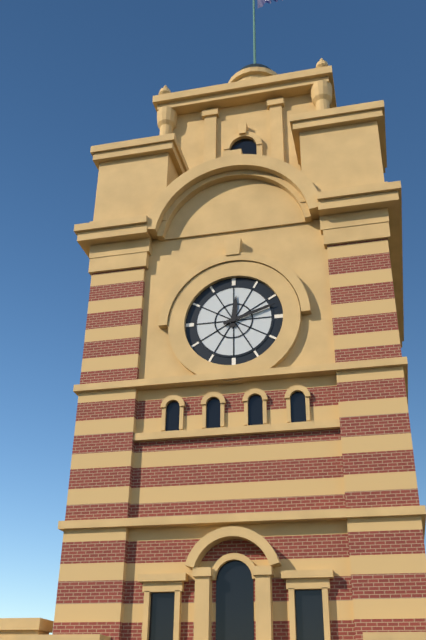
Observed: **12:12**
